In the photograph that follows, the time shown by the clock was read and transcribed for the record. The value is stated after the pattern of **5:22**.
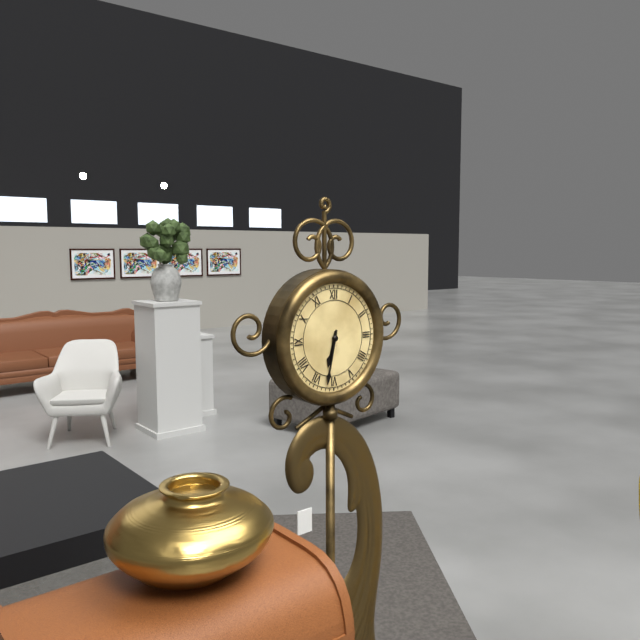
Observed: **6:32**
